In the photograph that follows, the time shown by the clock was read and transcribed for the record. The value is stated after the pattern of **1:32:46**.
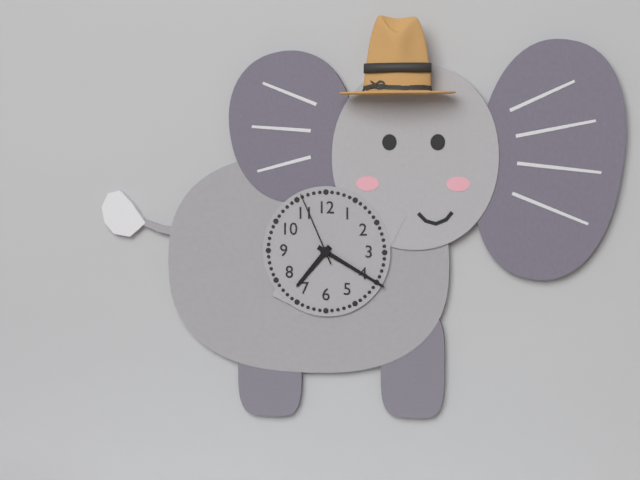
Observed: **7:20:56**
